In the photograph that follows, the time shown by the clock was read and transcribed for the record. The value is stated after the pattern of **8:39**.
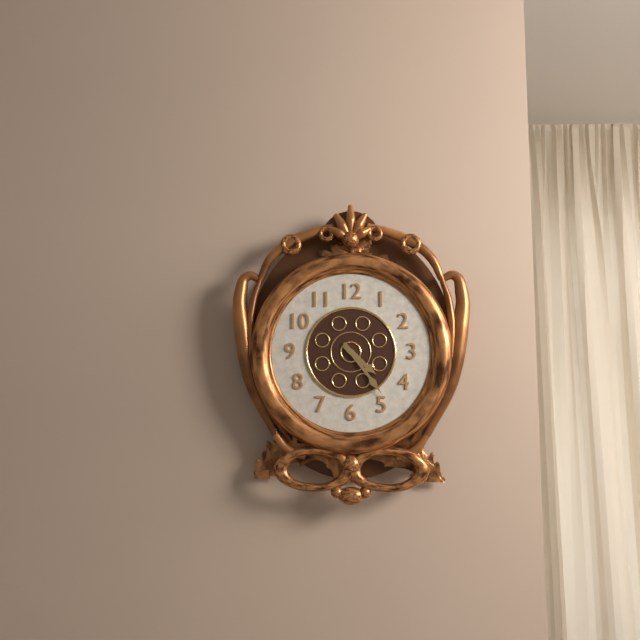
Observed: **4:24**
